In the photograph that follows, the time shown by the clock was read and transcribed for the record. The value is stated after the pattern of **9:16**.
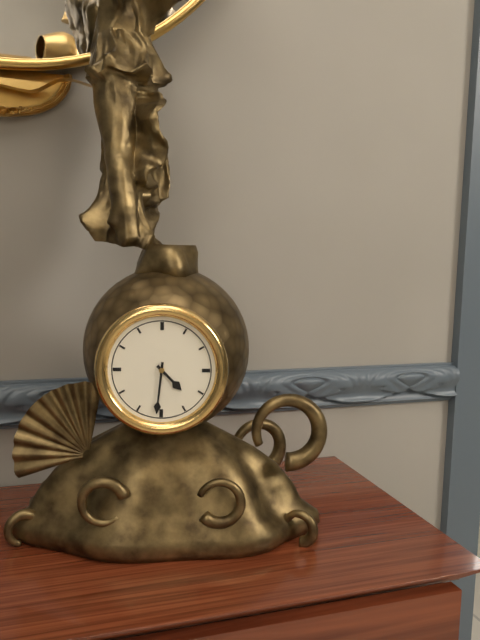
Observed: **4:31**
